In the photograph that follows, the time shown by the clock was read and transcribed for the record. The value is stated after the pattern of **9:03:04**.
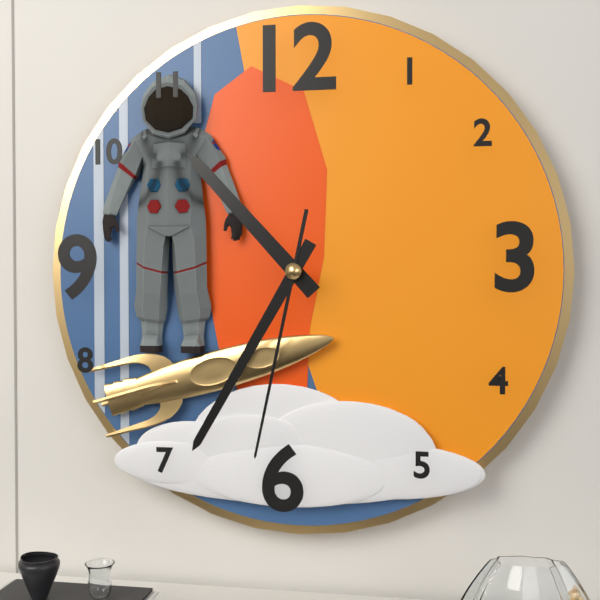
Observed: **10:35:32**
